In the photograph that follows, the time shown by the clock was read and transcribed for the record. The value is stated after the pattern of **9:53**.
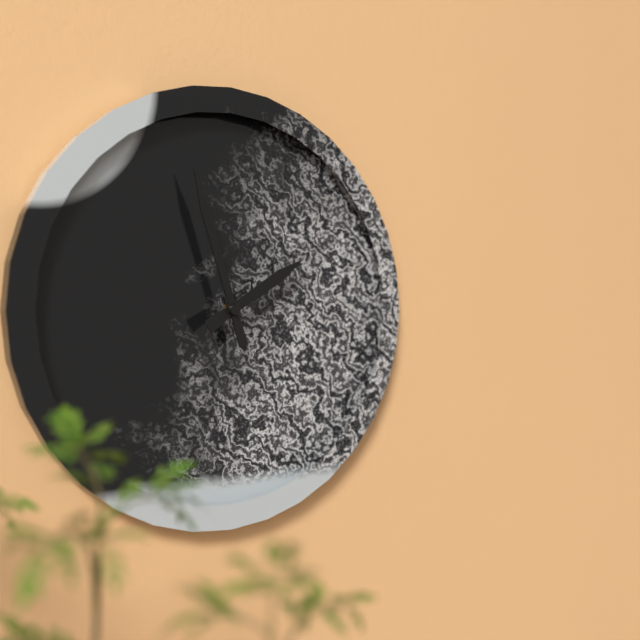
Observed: **1:57**
